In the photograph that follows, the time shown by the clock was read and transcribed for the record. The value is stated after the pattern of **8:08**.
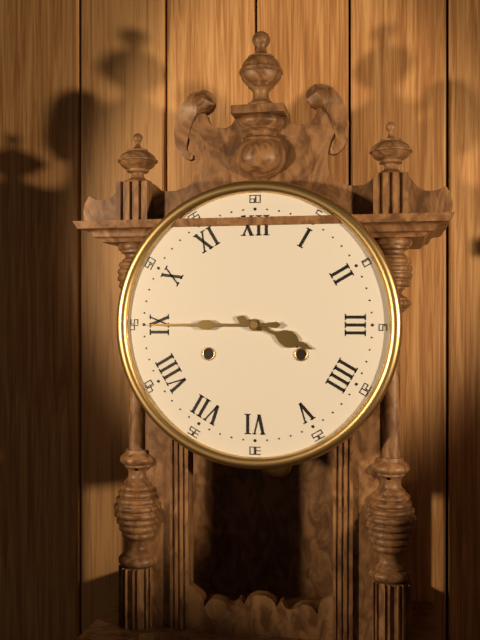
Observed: **3:45**
